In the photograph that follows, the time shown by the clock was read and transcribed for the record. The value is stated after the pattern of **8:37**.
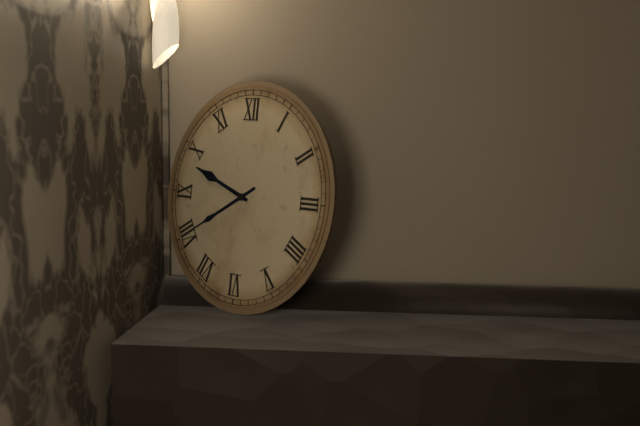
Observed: **9:40**
